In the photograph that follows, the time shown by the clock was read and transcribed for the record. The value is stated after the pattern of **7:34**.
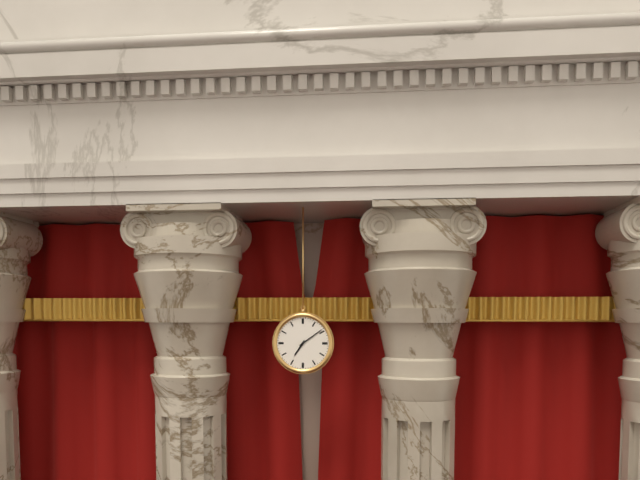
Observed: **7:09**
